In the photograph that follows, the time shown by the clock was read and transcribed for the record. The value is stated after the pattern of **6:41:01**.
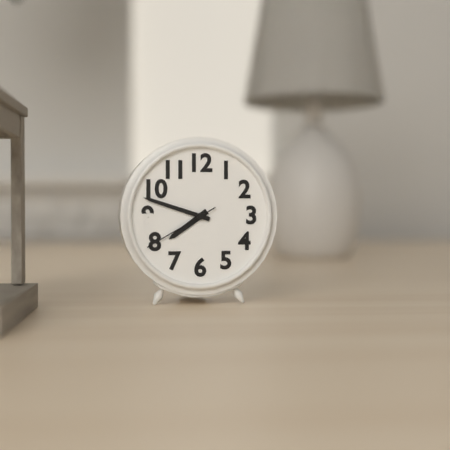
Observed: **7:48:40**
